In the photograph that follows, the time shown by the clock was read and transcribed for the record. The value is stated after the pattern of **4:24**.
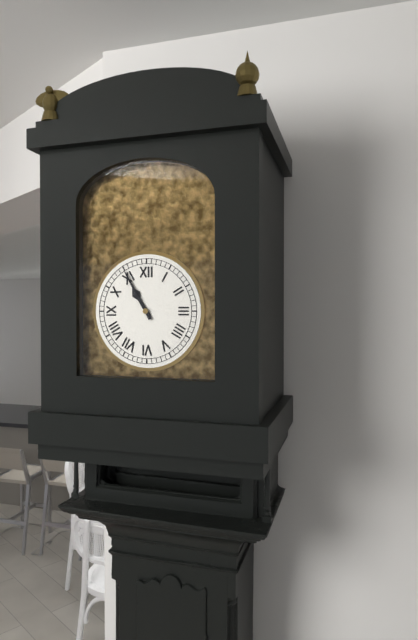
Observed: **10:55**
